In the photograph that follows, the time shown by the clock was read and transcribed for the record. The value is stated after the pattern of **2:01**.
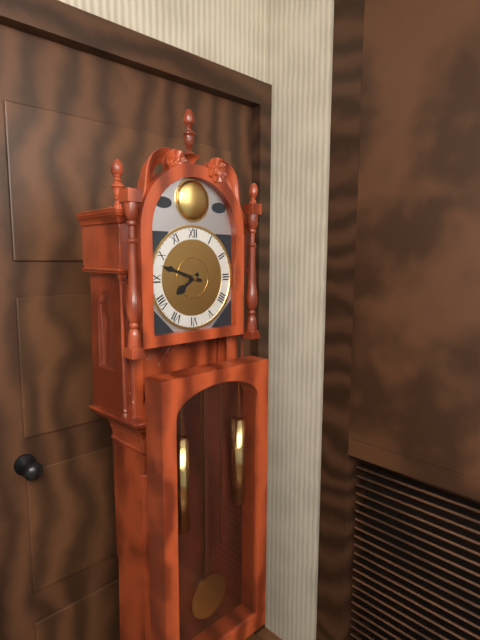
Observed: **7:48**
